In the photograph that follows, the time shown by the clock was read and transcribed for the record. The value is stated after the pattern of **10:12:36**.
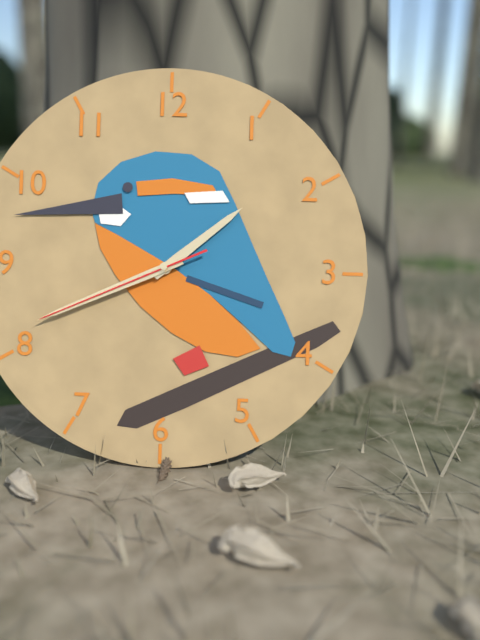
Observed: **1:41:41**
